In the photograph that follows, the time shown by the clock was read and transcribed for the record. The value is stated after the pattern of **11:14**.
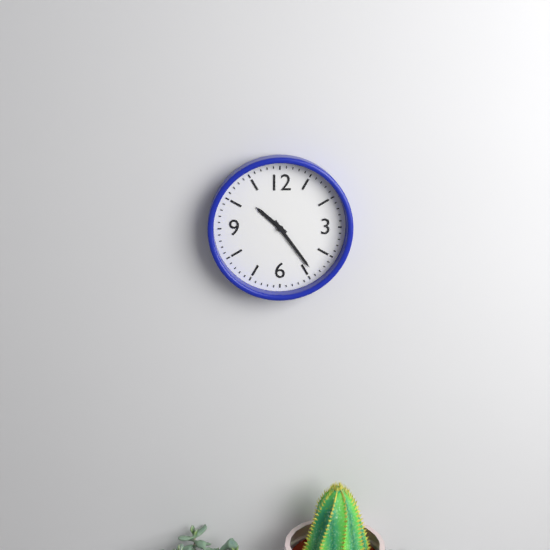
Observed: **10:24**
